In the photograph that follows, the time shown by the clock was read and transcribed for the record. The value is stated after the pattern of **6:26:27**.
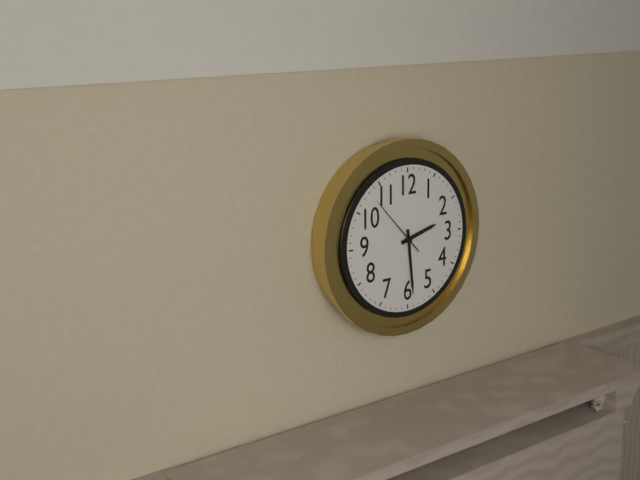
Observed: **2:29:53**
